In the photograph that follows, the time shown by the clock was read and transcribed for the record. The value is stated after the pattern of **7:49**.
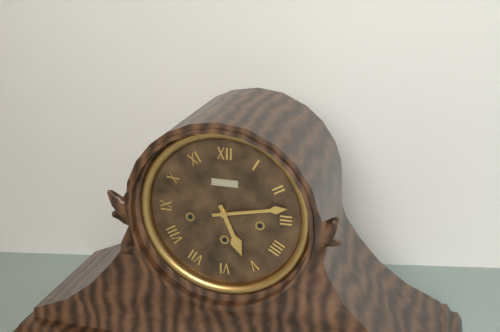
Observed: **5:13**
